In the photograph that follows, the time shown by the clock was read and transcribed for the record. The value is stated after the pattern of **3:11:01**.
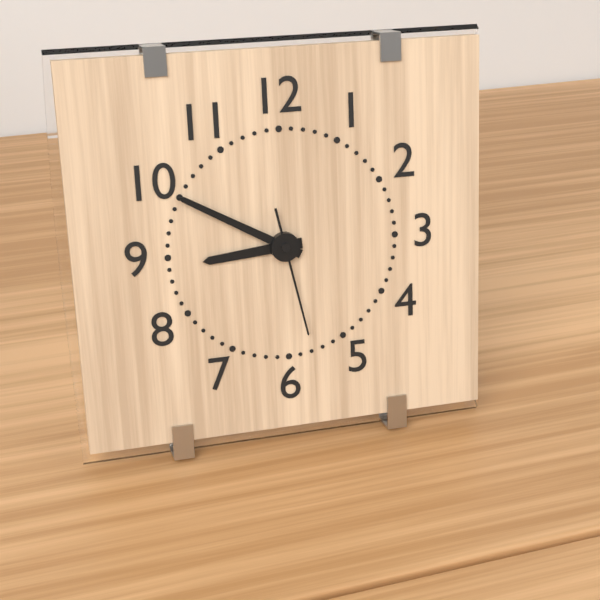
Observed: **8:50:28**
